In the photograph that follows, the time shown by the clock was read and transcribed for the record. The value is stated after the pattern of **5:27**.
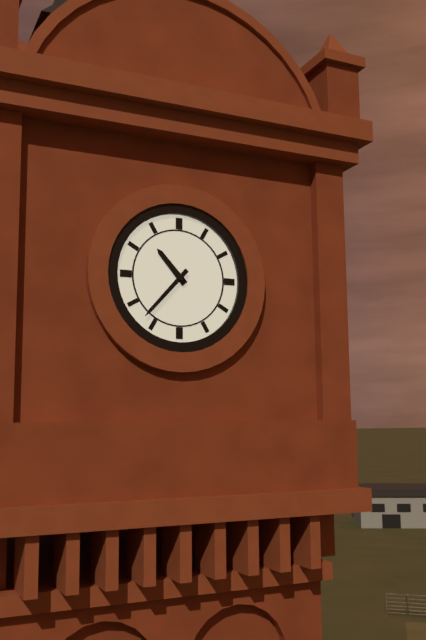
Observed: **10:37**
